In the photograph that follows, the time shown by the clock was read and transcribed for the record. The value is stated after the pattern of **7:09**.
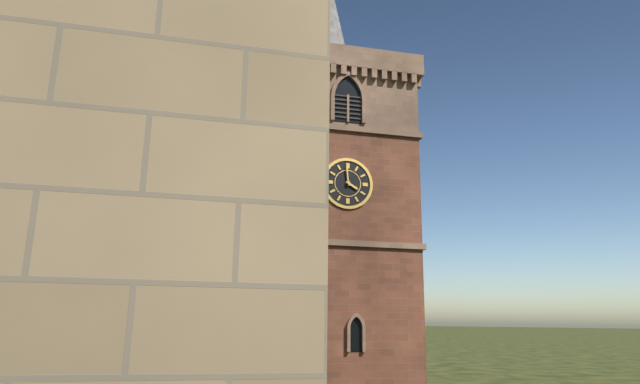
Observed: **3:59**
